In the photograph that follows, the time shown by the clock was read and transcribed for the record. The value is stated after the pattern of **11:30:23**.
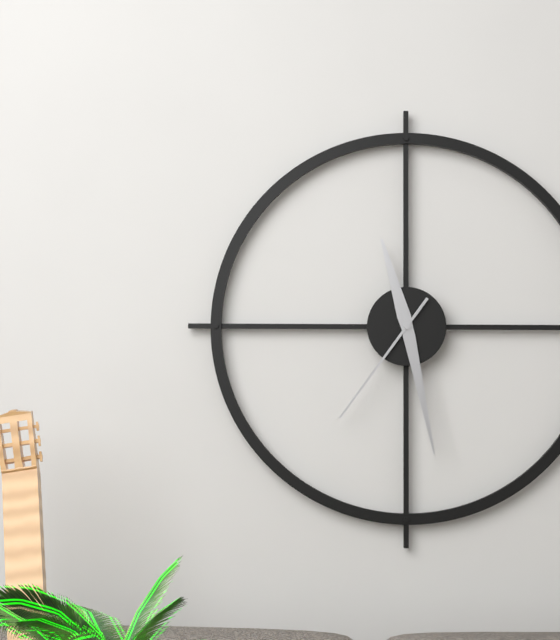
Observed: **11:28:36**
